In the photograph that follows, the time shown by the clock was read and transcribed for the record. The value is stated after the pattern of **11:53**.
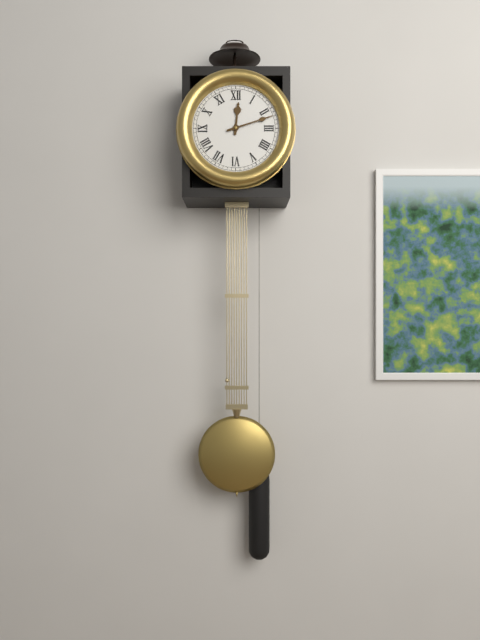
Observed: **12:12**
